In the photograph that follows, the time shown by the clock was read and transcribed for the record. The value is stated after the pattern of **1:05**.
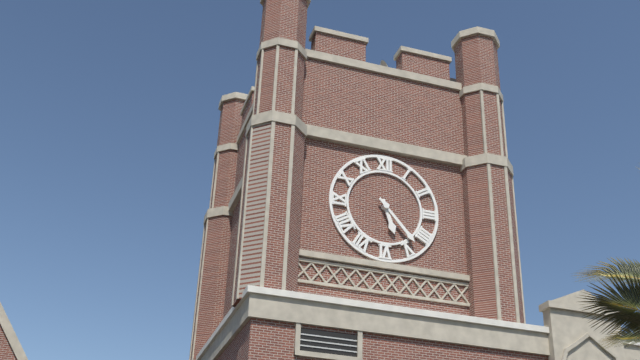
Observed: **5:23**
